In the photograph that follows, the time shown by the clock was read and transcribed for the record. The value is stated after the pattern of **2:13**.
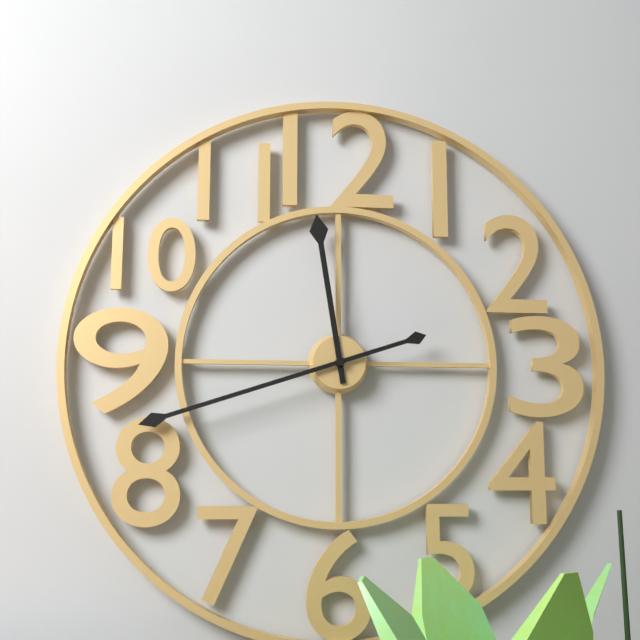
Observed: **11:42**
